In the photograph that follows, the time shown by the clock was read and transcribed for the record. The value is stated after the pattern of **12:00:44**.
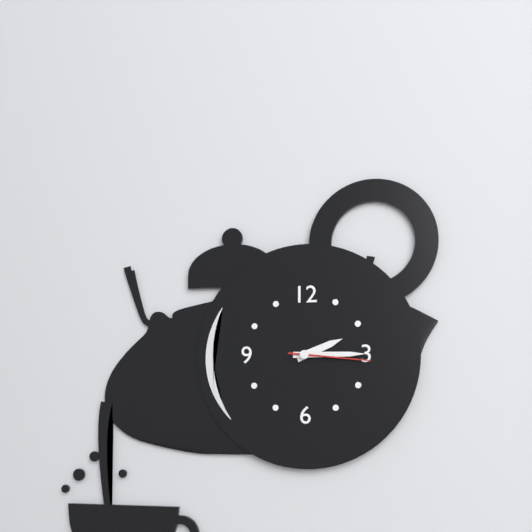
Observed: **2:15:16**
